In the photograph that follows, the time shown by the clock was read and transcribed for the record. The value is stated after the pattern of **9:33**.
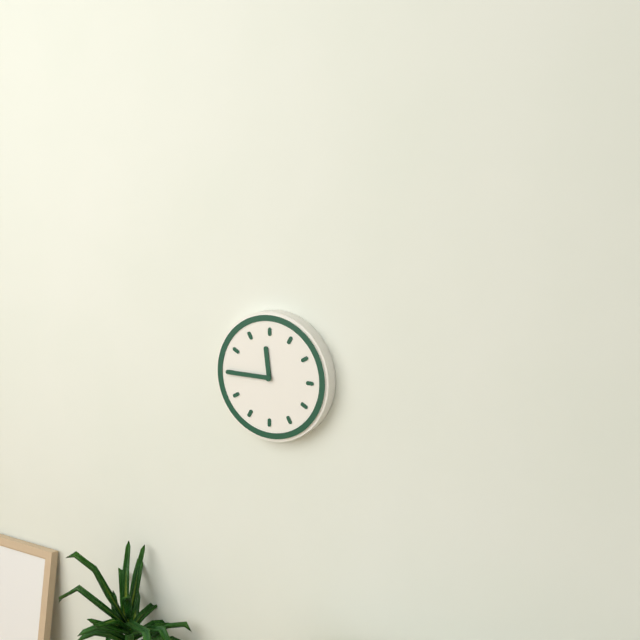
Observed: **11:45**
